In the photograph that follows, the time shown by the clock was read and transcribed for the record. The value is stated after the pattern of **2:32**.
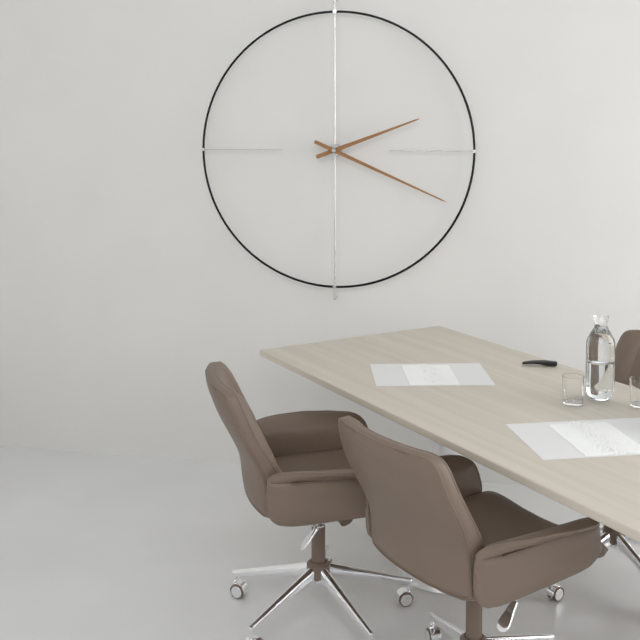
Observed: **2:19**
